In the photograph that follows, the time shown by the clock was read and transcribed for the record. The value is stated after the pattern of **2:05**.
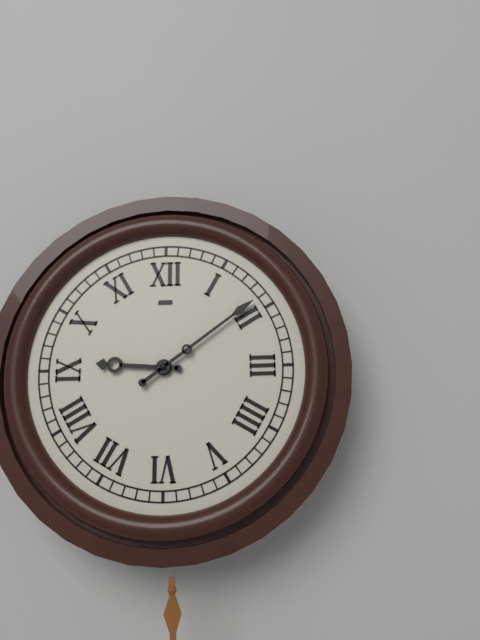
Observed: **9:09**
